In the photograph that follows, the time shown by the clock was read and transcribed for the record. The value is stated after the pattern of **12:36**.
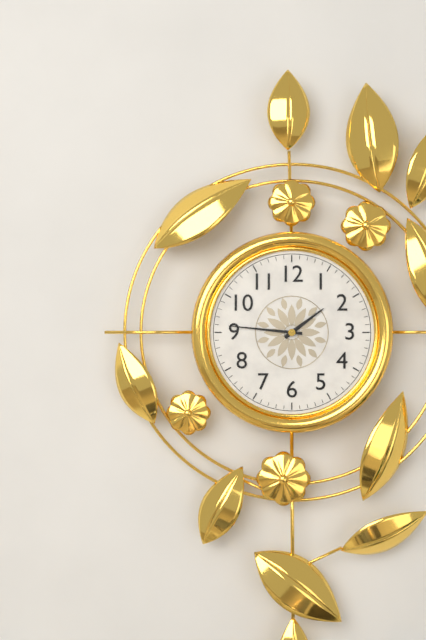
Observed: **1:46**
